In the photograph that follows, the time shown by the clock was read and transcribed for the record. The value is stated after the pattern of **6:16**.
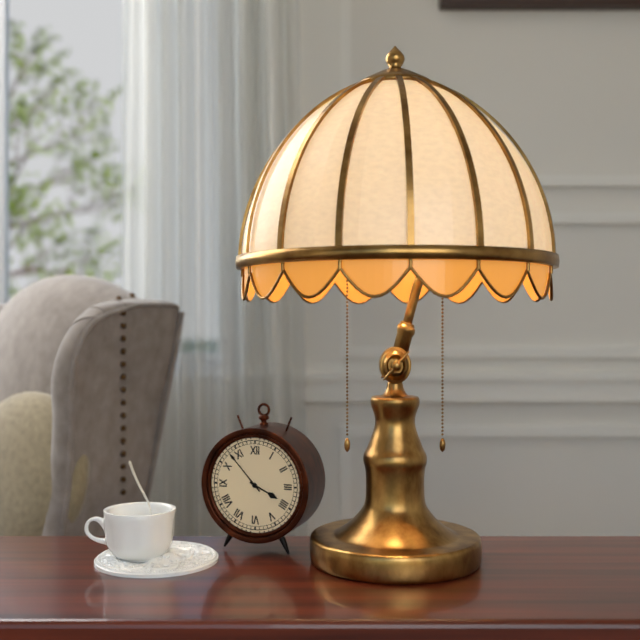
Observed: **3:53**
